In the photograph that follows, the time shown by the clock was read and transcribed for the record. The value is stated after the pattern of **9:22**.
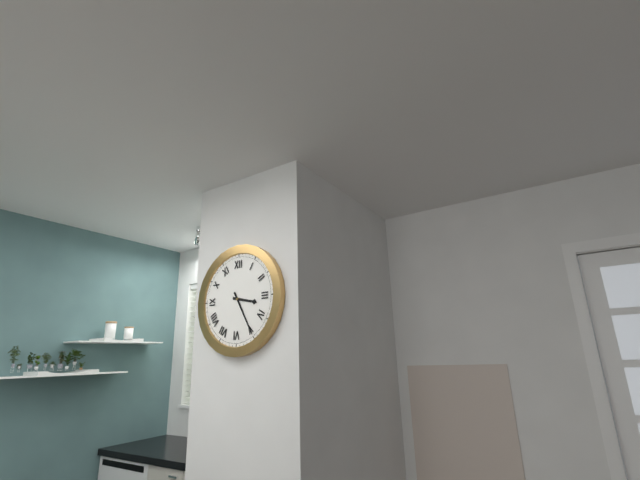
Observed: **3:25**
